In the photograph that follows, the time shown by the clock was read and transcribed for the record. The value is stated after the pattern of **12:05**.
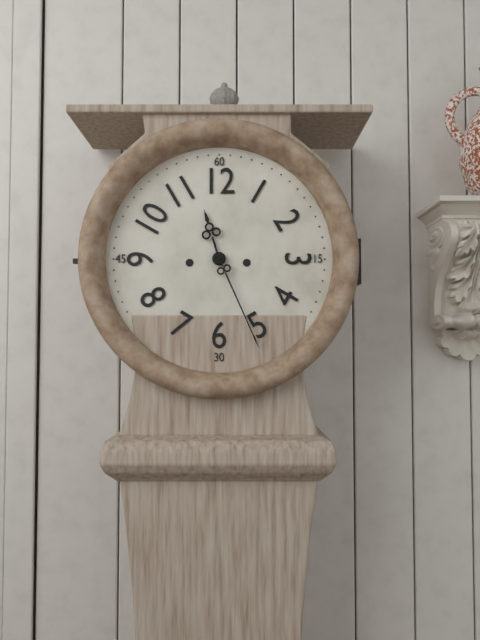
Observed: **11:26**
